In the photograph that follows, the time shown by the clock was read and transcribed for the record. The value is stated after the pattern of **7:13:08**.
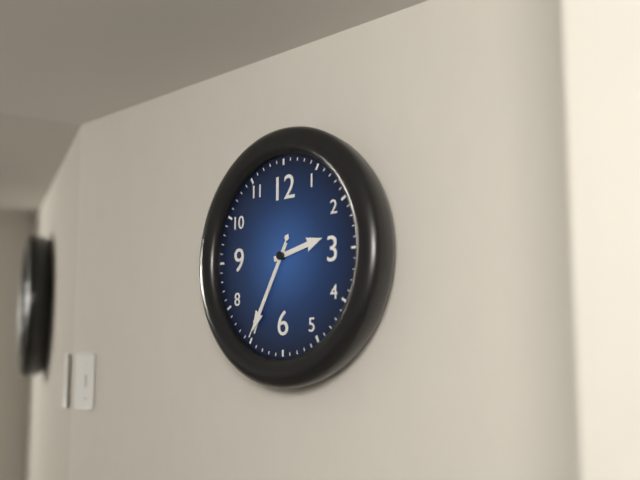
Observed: **2:35:35**
